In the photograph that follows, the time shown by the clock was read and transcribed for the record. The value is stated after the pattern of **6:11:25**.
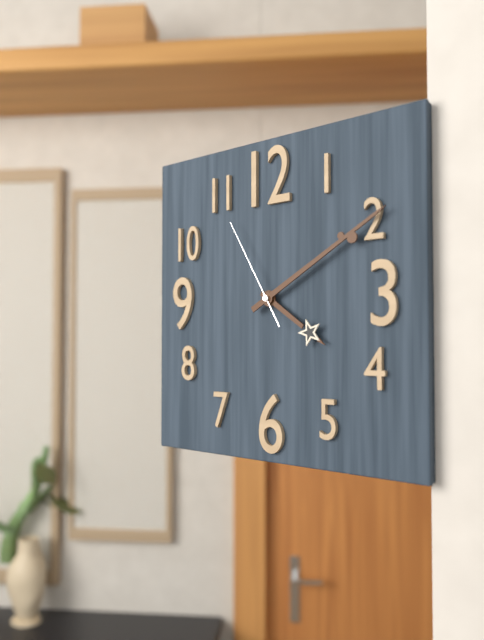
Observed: **4:10:55**
